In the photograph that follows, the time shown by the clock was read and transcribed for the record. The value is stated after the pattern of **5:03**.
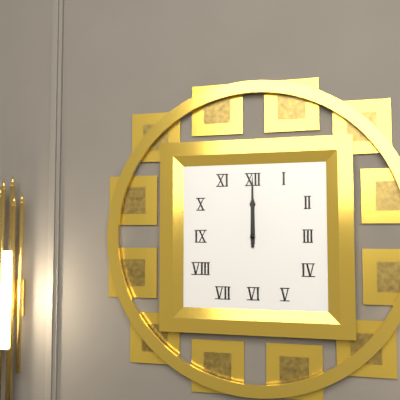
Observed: **12:00**
